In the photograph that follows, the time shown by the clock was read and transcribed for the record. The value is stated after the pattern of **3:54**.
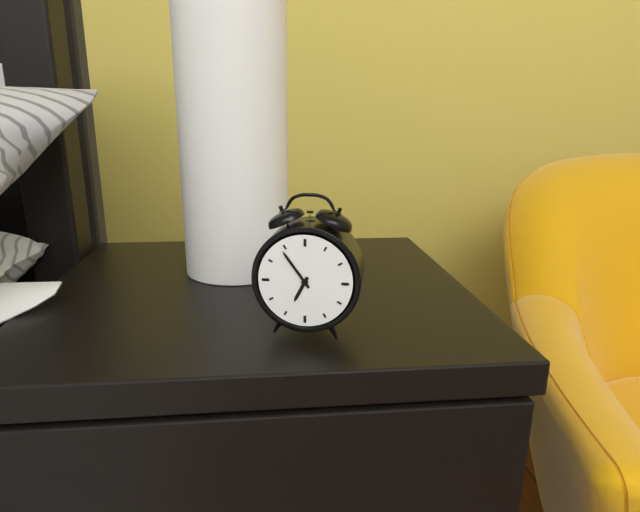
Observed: **6:54**
